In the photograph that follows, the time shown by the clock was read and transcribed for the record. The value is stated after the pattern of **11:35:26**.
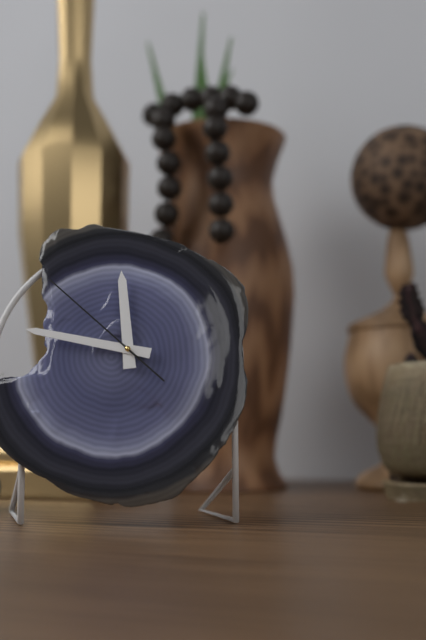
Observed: **11:47:52**
